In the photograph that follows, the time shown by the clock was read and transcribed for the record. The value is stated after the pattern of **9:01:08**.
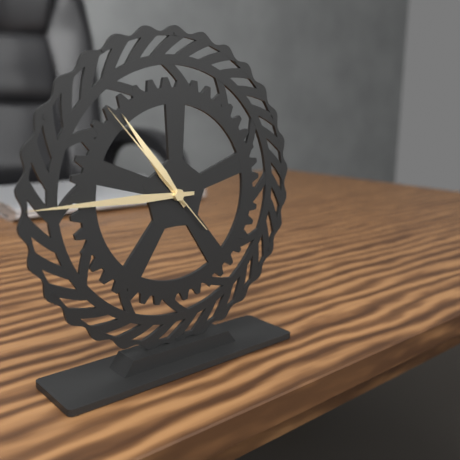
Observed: **10:45:53**
